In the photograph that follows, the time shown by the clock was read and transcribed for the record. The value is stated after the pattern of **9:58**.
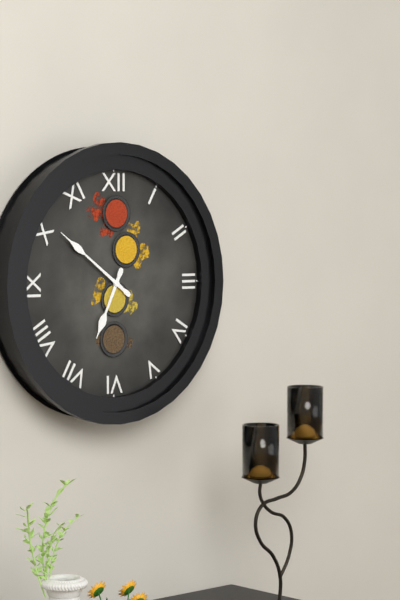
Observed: **6:51**
